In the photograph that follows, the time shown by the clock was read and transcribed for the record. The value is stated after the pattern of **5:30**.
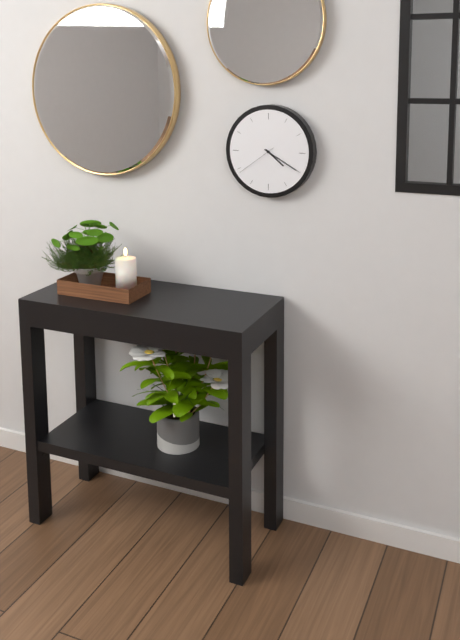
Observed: **4:20**
